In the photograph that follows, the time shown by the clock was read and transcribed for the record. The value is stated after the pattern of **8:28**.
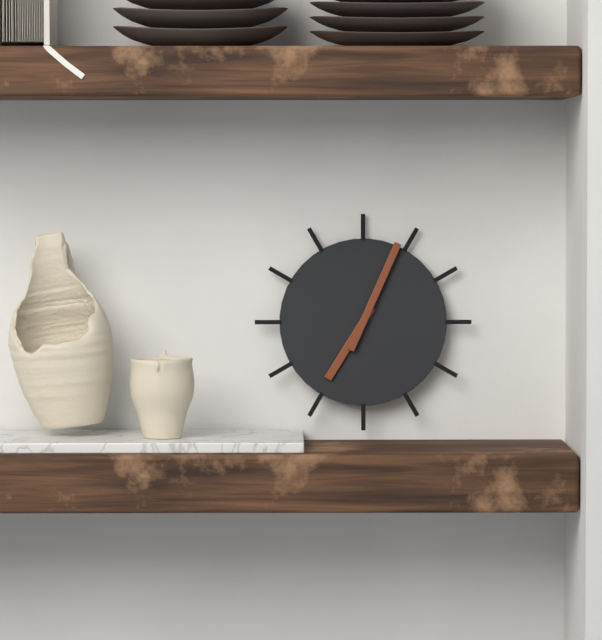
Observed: **7:04**
